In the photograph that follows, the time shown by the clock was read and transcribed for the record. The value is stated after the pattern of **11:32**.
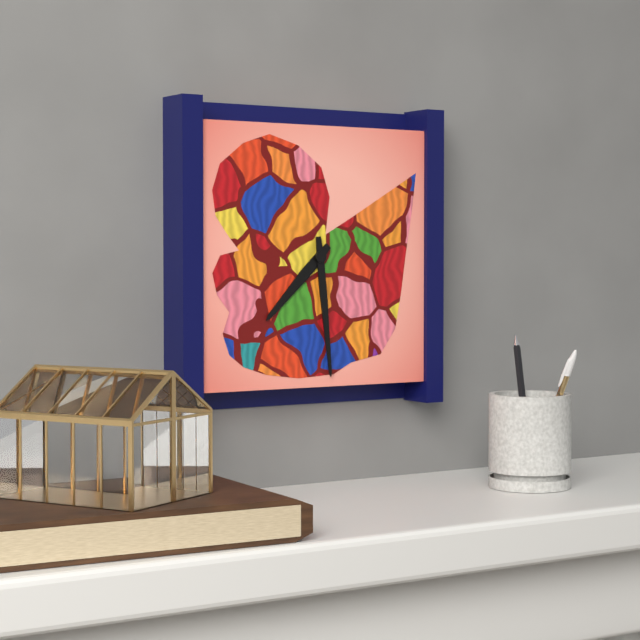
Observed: **7:29**
